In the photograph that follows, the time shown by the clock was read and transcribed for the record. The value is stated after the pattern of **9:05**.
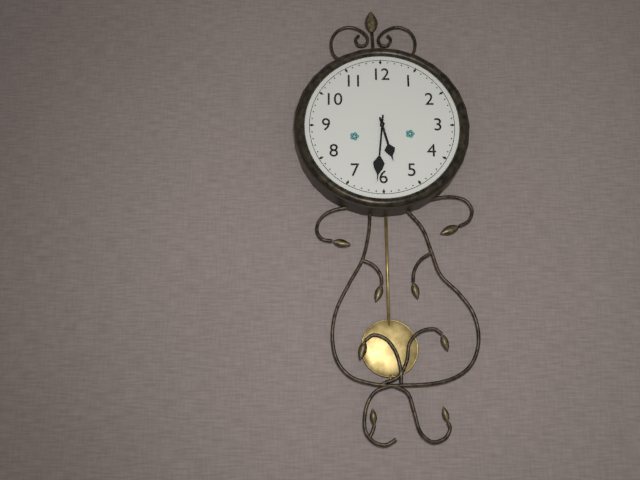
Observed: **5:31**
